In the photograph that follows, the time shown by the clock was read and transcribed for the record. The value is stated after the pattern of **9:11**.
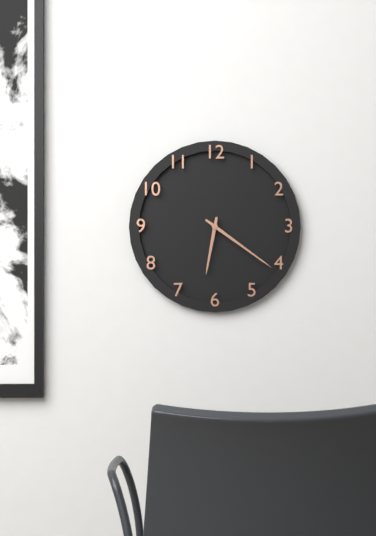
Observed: **6:21**
